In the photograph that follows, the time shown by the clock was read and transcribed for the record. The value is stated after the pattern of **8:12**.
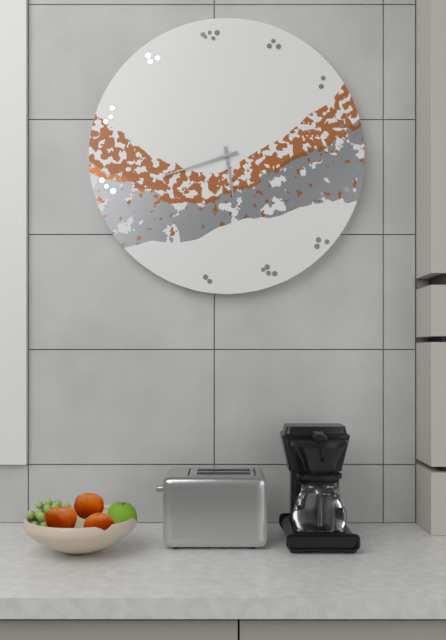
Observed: **5:42**
